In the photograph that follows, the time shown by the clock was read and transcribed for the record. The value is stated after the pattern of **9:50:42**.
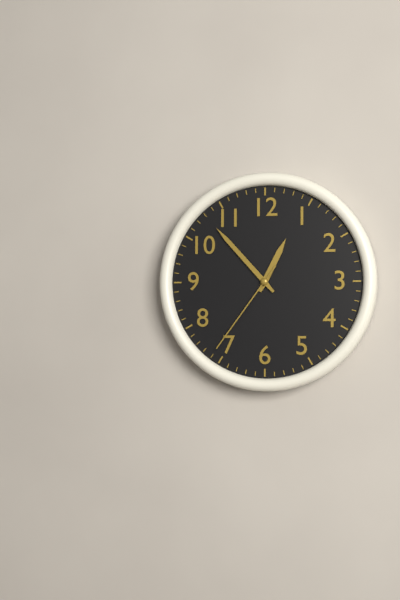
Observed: **12:53:36**
